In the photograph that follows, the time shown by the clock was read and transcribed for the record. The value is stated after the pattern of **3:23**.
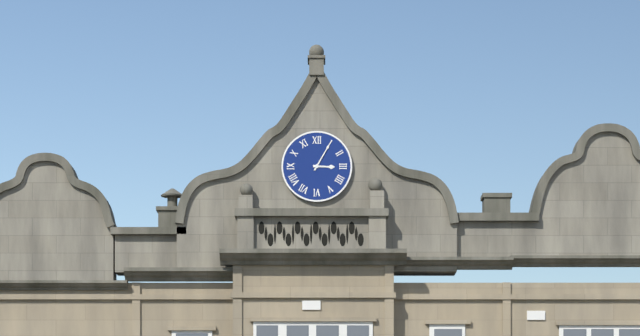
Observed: **3:05**
